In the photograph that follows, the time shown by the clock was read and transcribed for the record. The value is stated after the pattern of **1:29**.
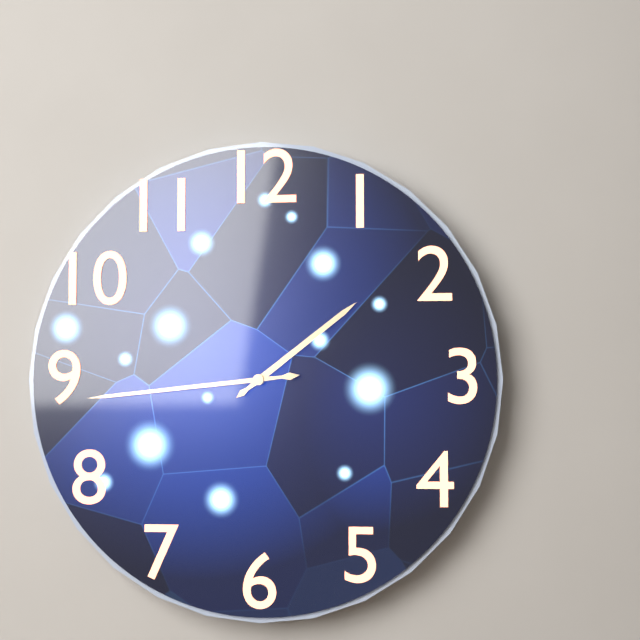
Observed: **1:44**
